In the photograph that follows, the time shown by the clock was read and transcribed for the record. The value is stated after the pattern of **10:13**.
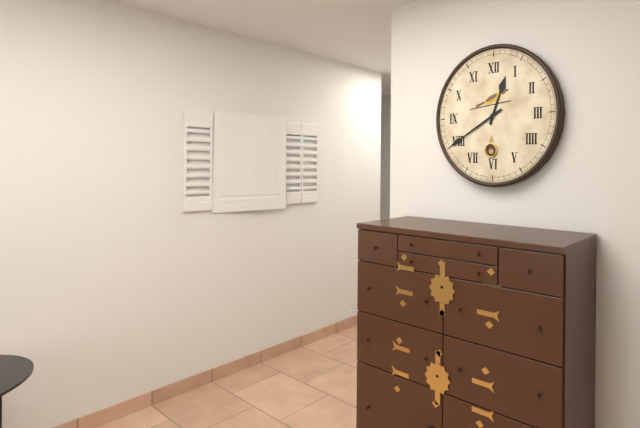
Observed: **12:40**
